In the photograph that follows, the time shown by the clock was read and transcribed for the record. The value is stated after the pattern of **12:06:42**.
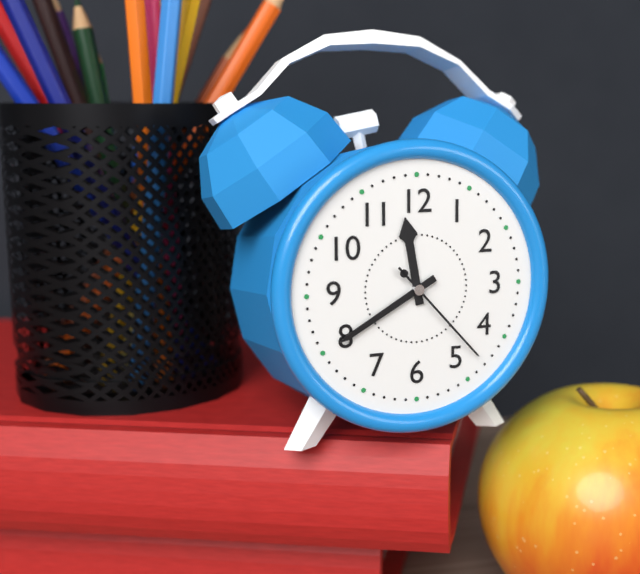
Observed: **11:40:23**
